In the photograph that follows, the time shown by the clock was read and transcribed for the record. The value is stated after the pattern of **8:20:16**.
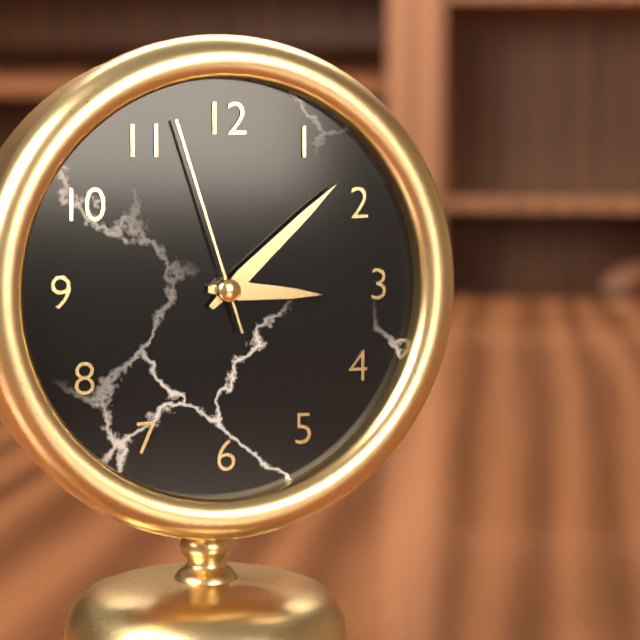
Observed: **3:08:57**
